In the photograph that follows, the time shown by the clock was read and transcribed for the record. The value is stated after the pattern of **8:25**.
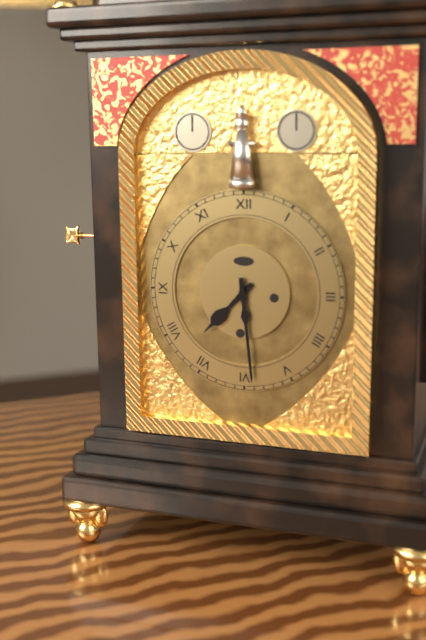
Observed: **7:29**
